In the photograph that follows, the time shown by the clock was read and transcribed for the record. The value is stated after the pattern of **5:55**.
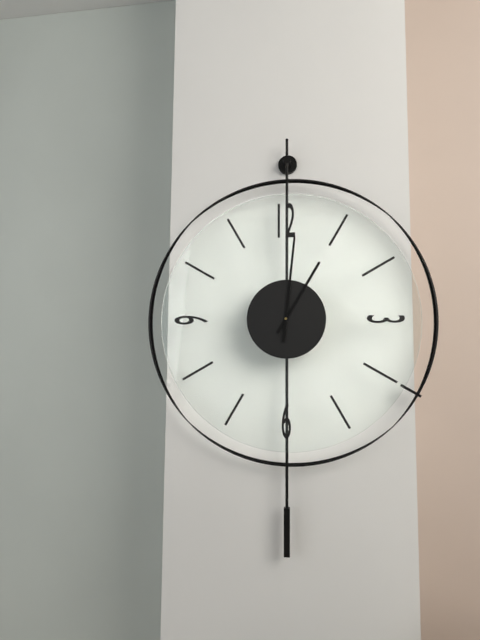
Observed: **1:01**
